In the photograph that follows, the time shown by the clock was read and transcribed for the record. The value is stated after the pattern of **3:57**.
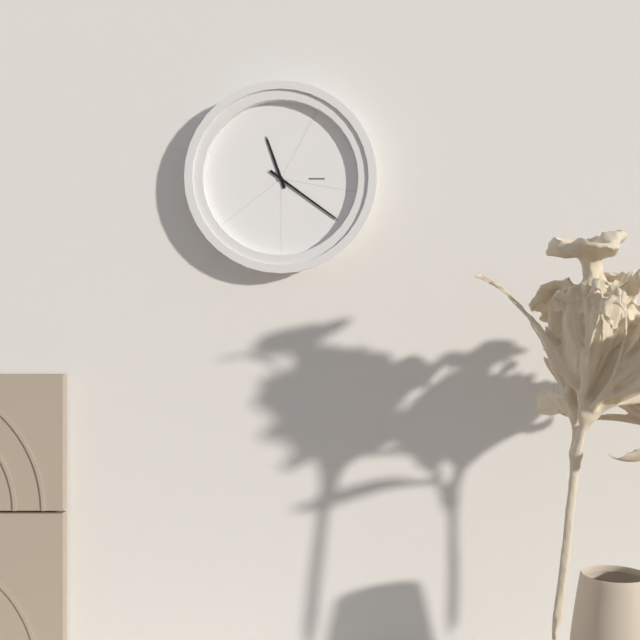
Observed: **11:21**
